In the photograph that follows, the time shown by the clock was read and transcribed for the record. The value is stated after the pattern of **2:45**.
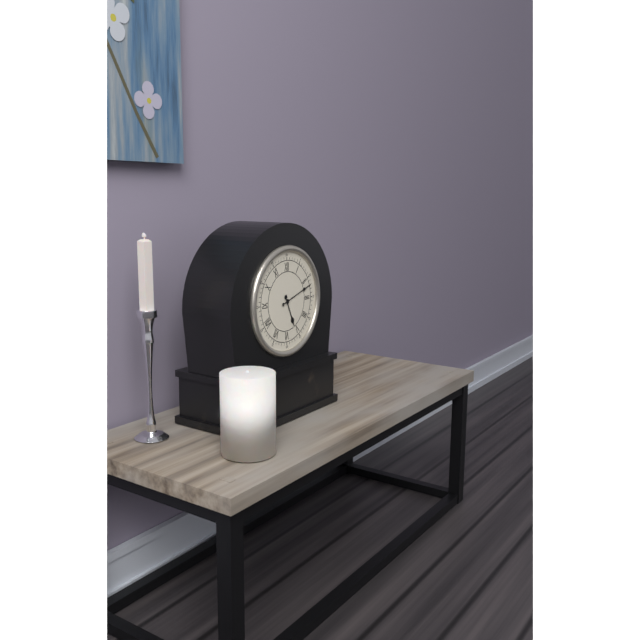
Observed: **5:12**
